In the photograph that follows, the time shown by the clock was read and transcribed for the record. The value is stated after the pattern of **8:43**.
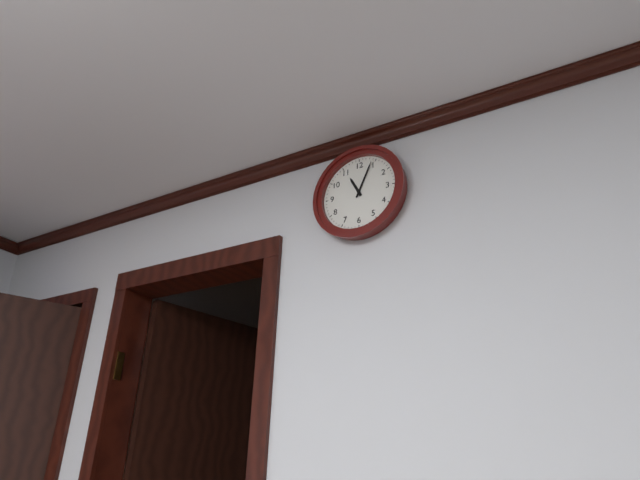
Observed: **11:04**
